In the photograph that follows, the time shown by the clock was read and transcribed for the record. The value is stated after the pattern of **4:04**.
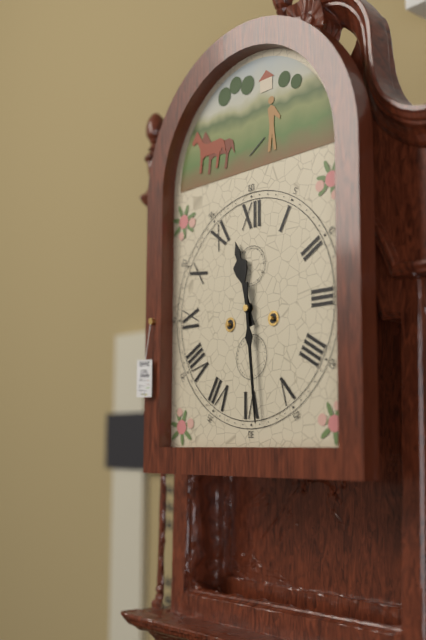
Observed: **11:29**
